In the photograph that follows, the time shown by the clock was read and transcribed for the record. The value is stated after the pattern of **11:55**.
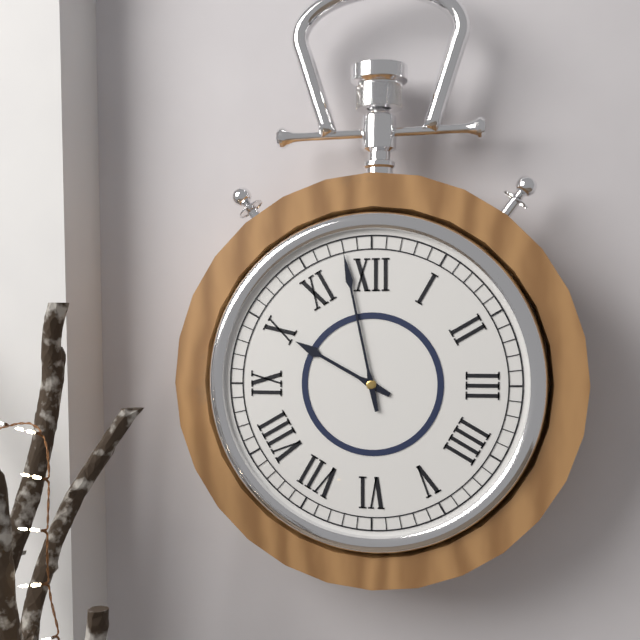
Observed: **9:58**
